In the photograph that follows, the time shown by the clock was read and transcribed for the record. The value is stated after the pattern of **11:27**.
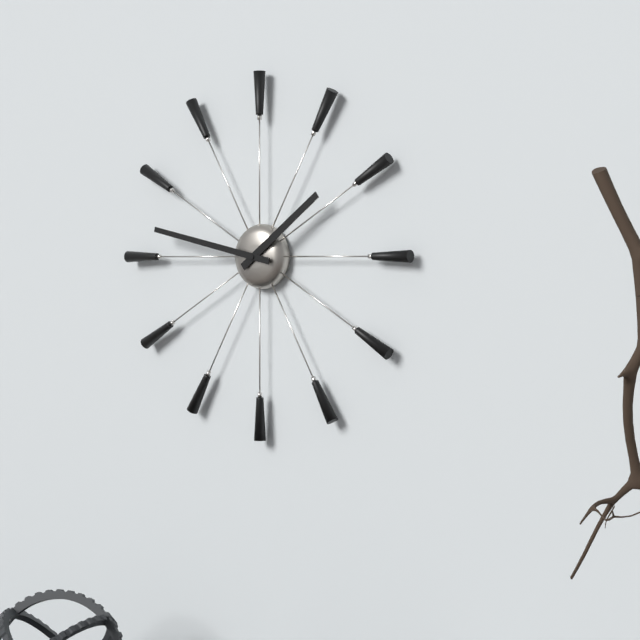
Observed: **1:47**
